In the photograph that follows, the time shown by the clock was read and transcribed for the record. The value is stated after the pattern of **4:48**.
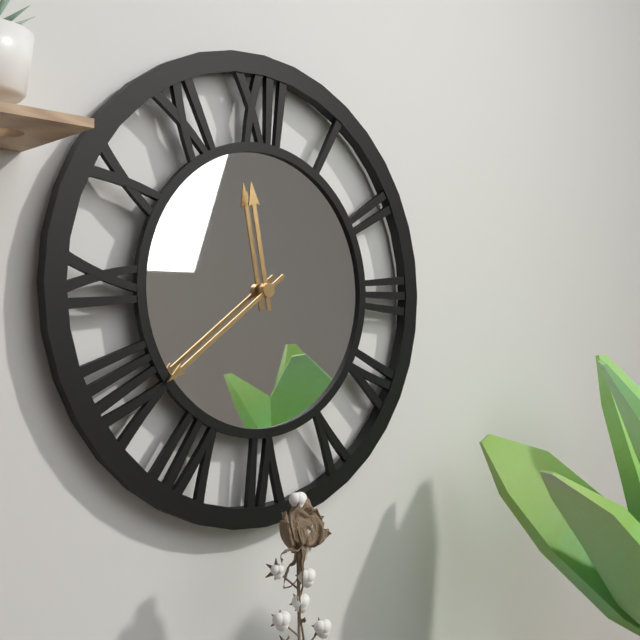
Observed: **11:39**
